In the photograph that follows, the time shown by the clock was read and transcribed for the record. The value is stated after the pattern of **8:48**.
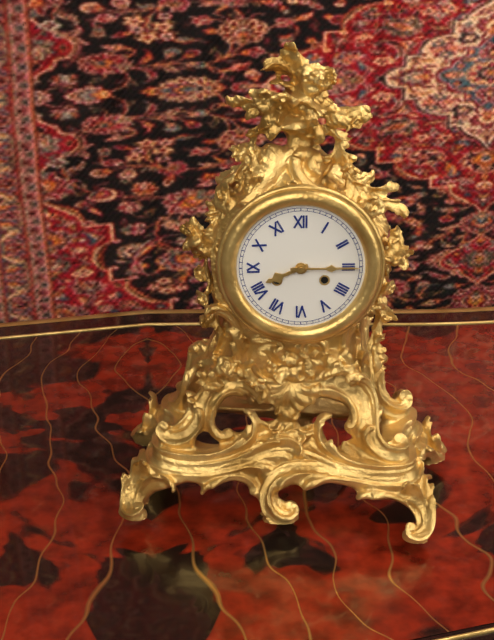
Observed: **8:15**
